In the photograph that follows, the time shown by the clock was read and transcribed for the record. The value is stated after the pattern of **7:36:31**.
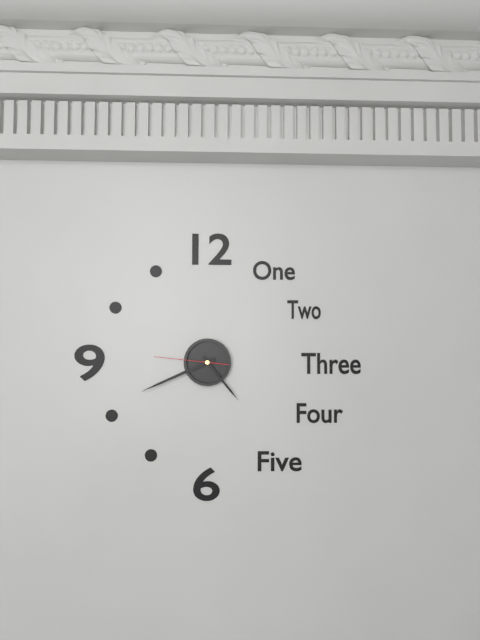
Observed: **4:41:46**
